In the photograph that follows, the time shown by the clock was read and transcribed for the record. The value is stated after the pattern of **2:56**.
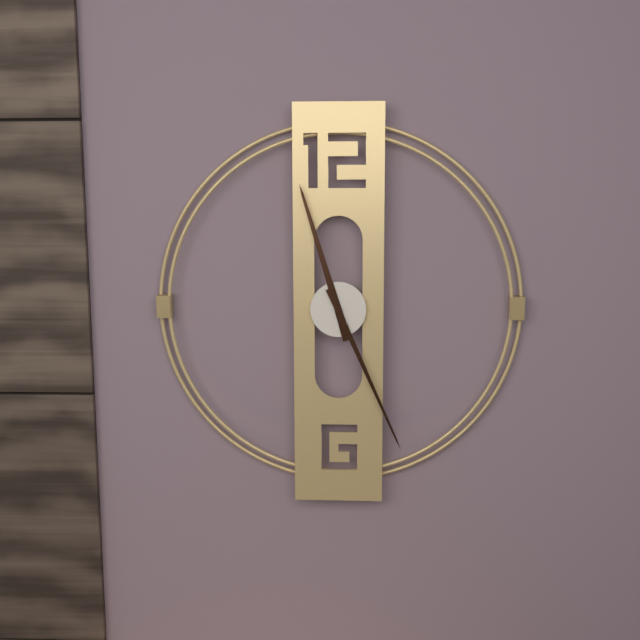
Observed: **11:26**
